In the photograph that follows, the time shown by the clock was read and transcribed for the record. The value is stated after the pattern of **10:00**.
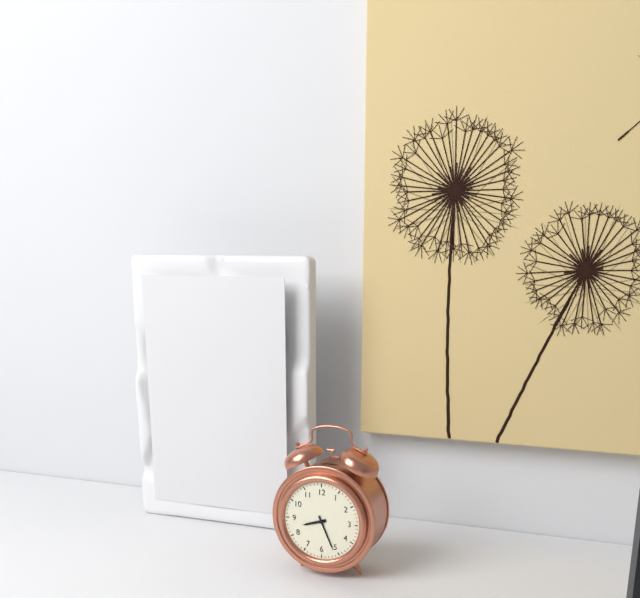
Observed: **8:26**
